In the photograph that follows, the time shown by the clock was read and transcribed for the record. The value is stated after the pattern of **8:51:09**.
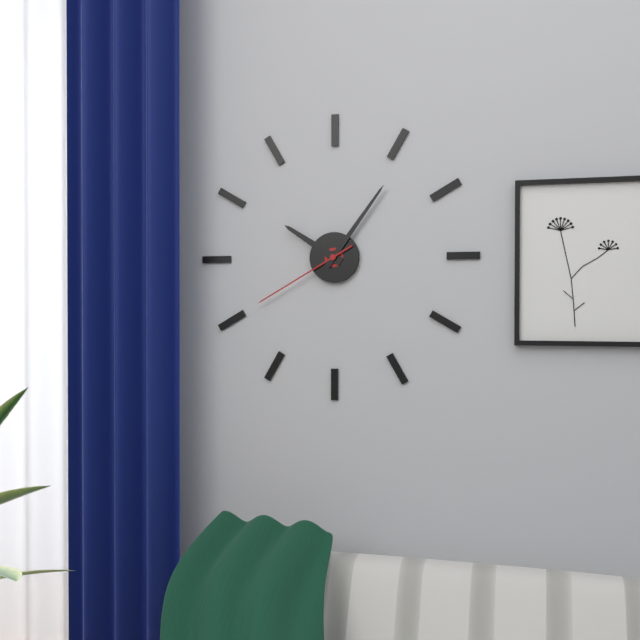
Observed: **10:06:40**
